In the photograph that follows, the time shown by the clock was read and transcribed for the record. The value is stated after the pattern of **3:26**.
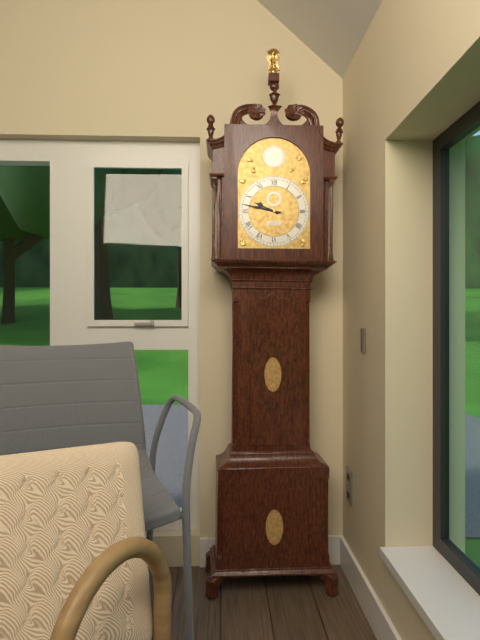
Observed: **9:47**
